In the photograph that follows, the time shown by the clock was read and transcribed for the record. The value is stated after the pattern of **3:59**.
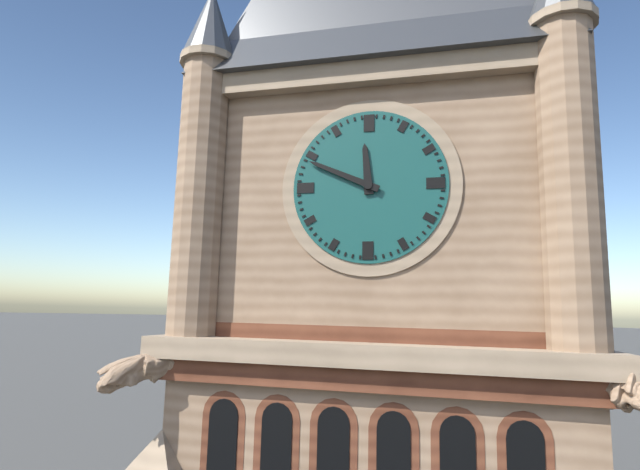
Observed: **11:49**
